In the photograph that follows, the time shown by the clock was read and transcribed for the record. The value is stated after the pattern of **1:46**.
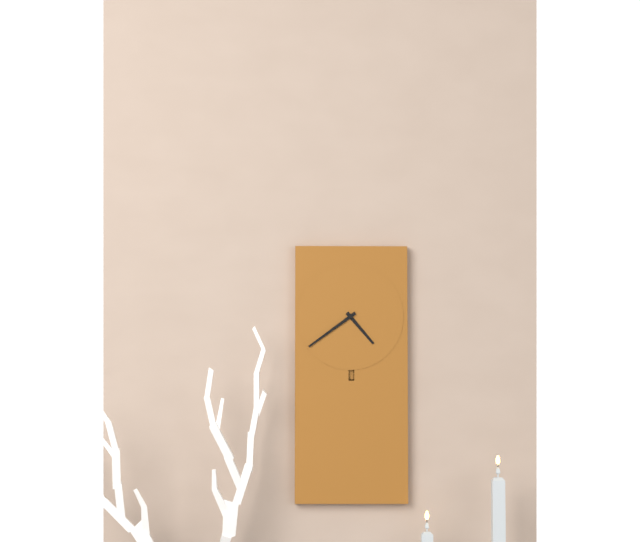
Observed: **4:39**
